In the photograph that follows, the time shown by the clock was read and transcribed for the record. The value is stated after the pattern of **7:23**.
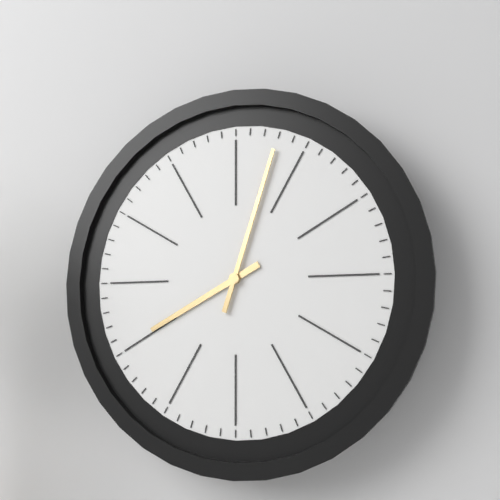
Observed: **8:03**
